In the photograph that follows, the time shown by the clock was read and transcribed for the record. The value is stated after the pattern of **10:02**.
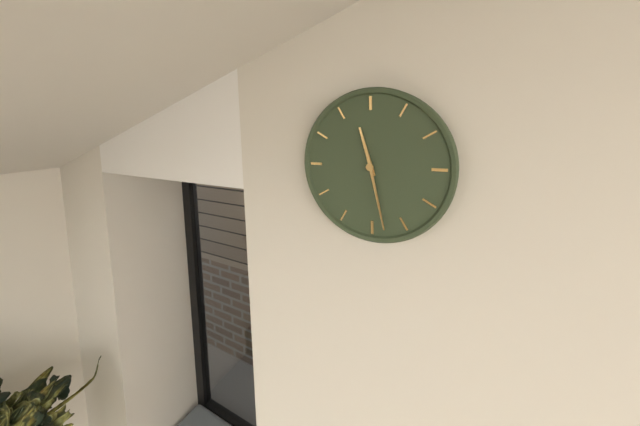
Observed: **11:28**
